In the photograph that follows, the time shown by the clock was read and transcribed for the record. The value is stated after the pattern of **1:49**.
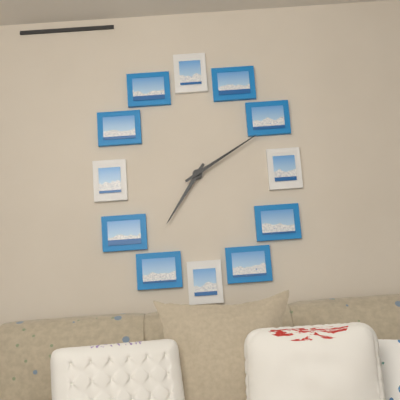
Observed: **7:10**
